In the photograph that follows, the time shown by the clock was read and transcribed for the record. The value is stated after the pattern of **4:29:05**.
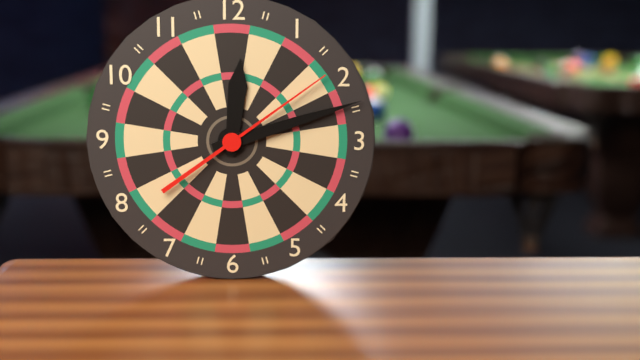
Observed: **12:12:09**
